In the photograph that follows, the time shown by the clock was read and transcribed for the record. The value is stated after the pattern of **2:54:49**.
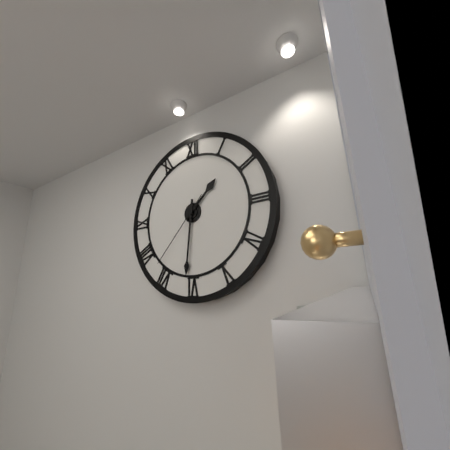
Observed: **1:31:37**
